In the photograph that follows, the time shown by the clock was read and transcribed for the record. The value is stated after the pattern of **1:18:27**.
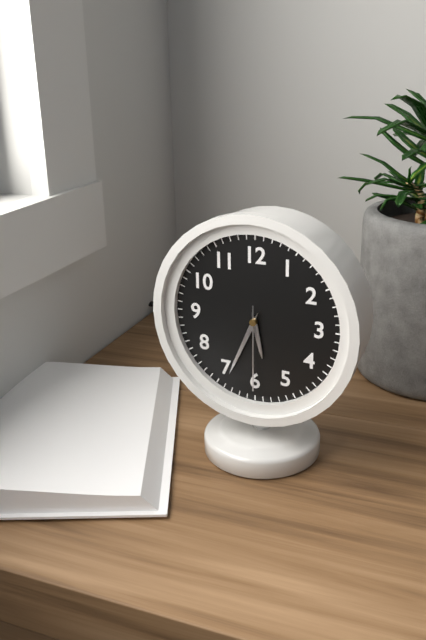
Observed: **5:34:30**
